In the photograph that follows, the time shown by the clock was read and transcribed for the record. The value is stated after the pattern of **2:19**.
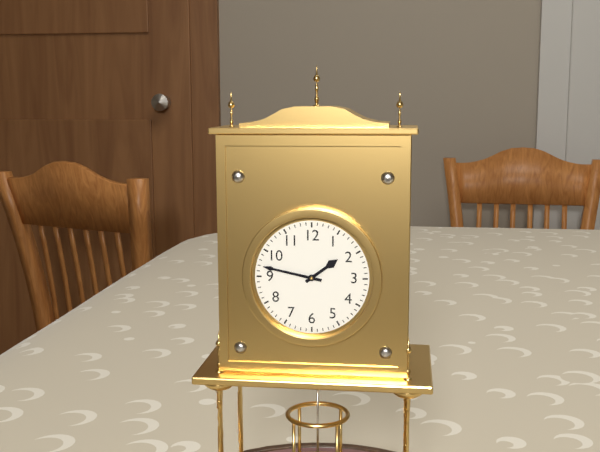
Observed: **1:47**
